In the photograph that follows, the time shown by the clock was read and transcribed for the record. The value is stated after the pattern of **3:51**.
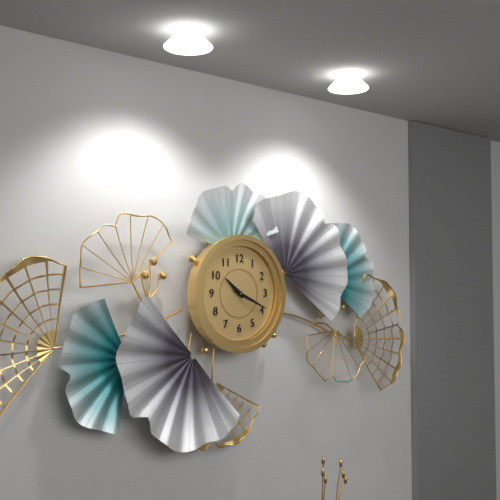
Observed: **10:19**
